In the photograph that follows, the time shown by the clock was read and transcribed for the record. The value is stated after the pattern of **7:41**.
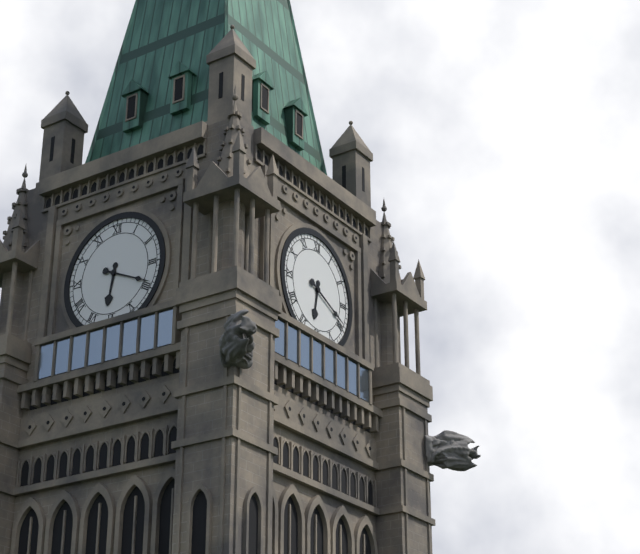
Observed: **6:19**
